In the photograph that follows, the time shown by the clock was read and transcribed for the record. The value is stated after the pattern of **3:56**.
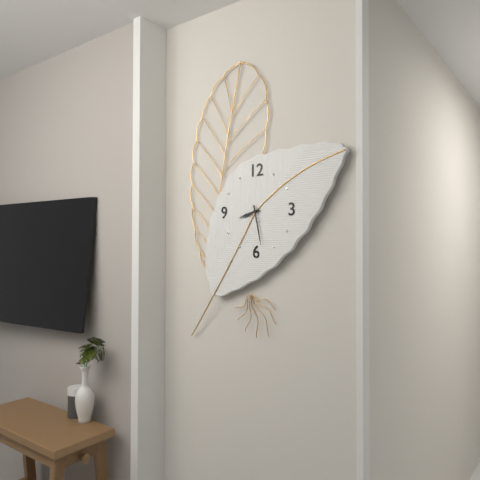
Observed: **8:28**
